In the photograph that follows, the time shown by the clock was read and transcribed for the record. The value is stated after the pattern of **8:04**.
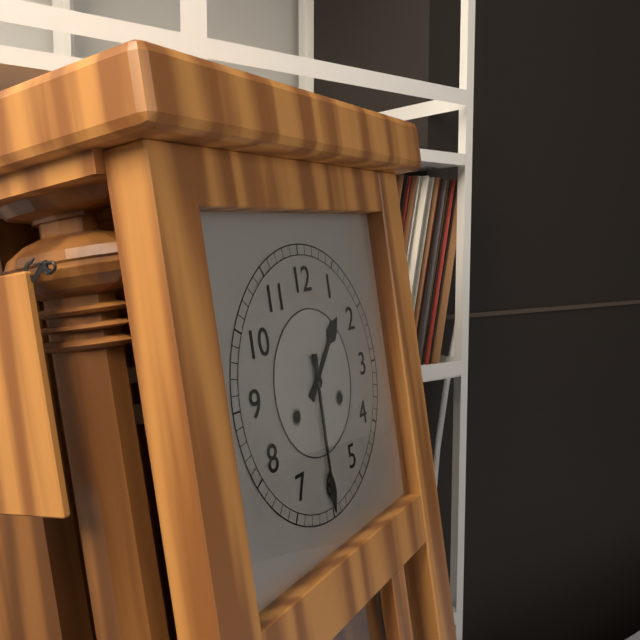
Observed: **1:30**
